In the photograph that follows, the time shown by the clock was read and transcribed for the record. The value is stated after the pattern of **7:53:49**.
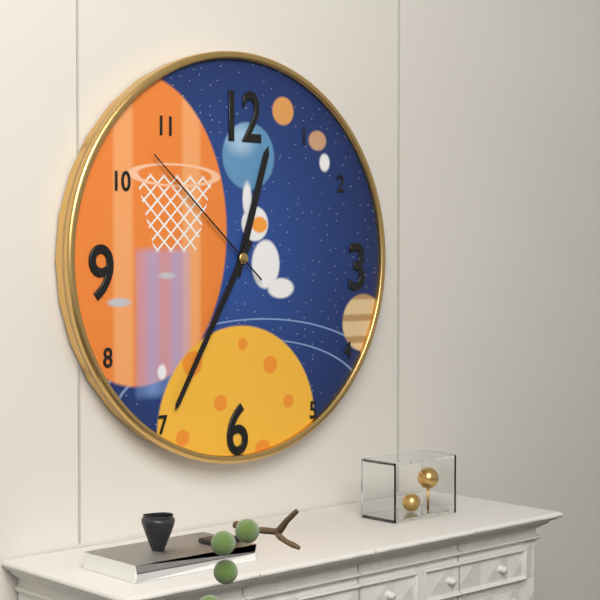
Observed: **12:35:52**
